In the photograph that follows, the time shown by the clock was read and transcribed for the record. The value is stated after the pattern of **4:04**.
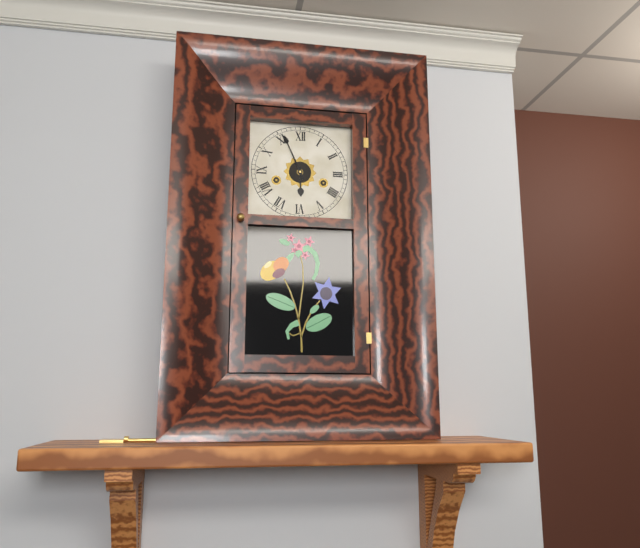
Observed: **5:56**
